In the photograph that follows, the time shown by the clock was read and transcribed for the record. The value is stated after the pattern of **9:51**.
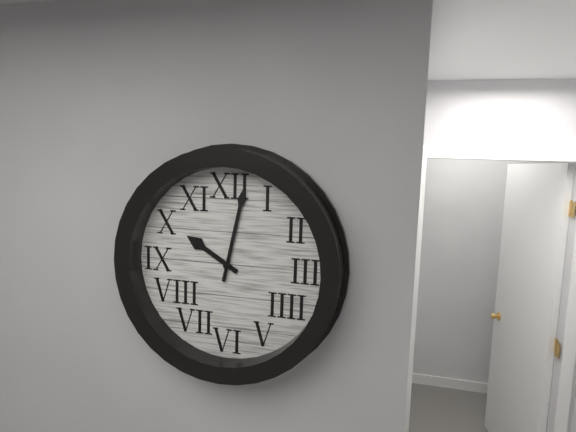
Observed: **10:02**
